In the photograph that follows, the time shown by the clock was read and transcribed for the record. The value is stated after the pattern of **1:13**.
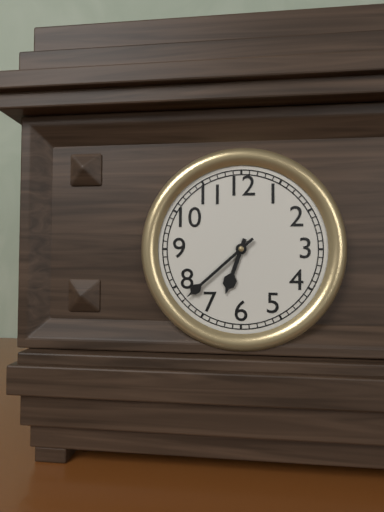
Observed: **6:38**
